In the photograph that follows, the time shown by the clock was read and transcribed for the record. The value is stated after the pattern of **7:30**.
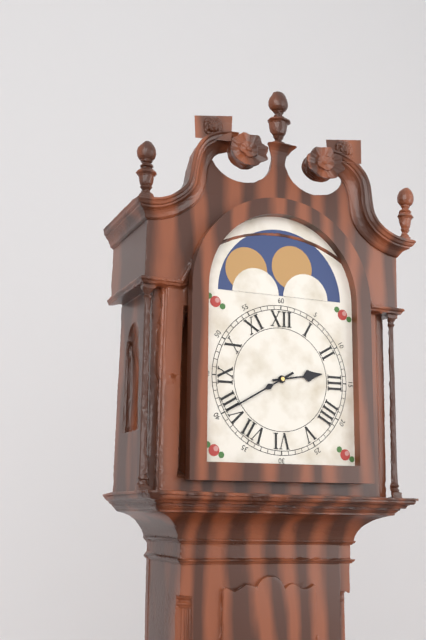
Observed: **2:40**
